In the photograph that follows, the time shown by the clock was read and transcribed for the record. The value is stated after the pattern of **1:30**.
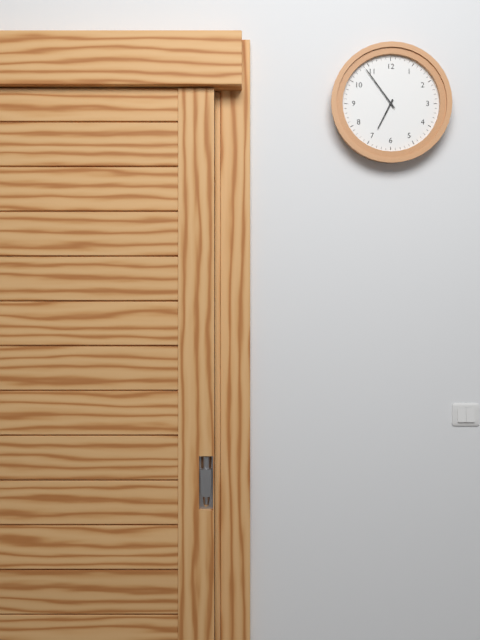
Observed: **6:54**
